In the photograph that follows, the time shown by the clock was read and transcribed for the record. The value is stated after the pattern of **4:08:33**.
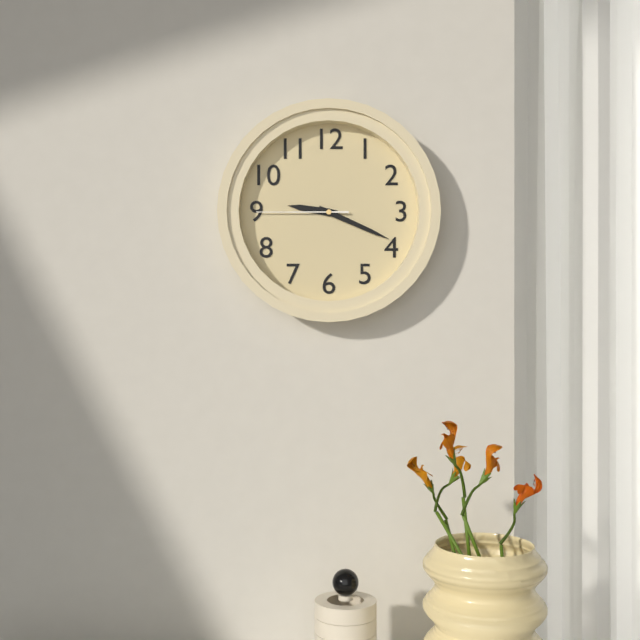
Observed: **9:19:45**
